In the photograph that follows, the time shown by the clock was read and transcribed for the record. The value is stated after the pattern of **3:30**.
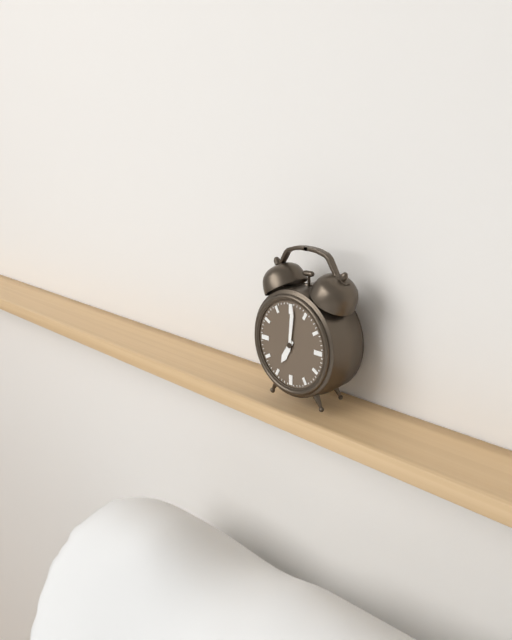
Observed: **7:01**
